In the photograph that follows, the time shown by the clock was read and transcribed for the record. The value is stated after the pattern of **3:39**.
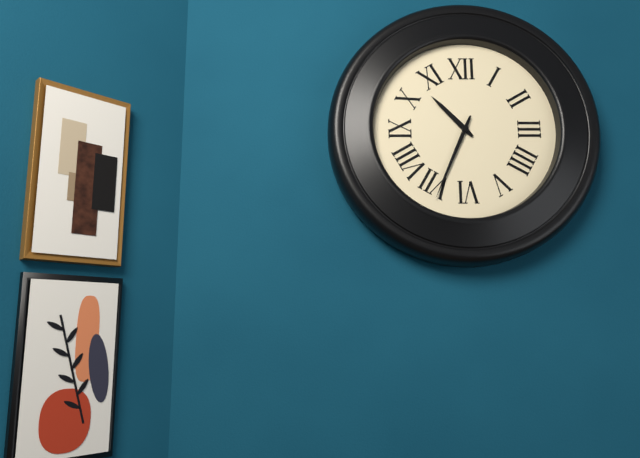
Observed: **10:34**
